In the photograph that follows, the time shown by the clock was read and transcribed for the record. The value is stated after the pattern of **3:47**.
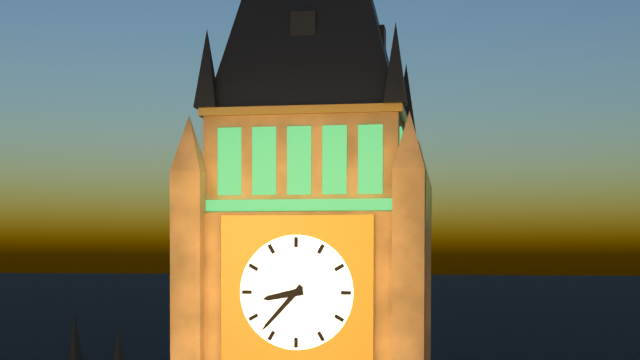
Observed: **8:37**
